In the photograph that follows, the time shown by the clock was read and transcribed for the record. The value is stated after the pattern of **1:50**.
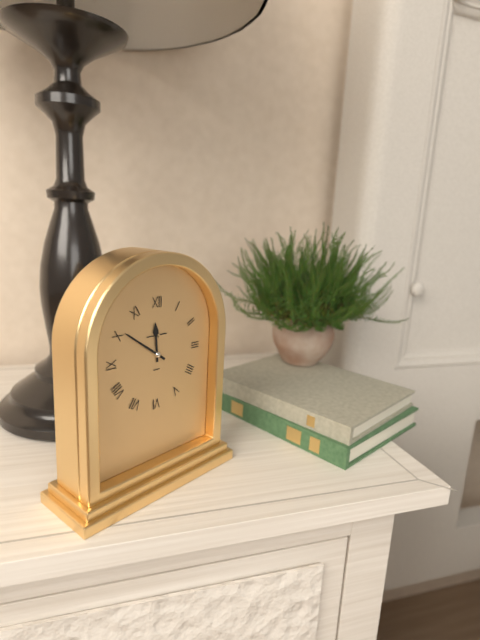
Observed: **11:51**
